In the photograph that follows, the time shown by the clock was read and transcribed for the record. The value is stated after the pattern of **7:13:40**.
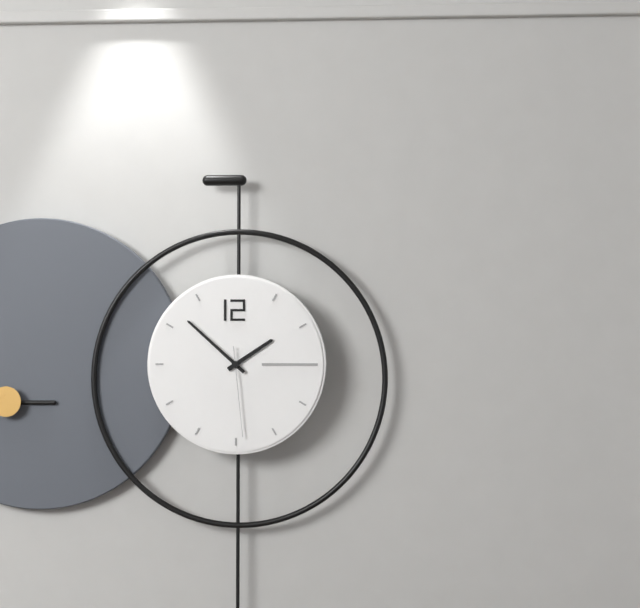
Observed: **1:52:29**
